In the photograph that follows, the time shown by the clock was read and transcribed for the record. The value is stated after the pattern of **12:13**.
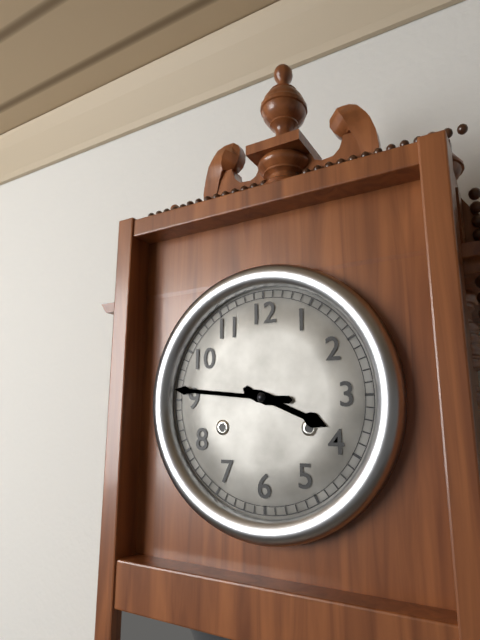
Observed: **3:46**
